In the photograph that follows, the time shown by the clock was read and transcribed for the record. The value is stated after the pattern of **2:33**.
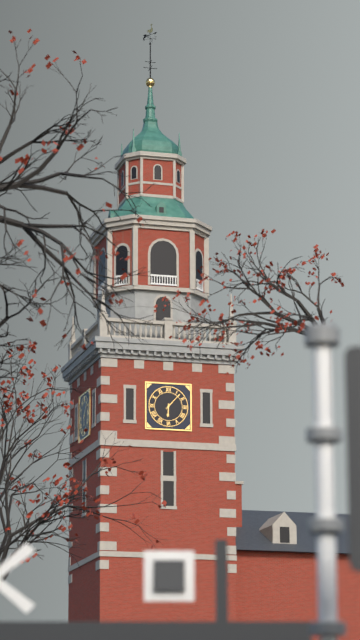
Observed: **6:07**
